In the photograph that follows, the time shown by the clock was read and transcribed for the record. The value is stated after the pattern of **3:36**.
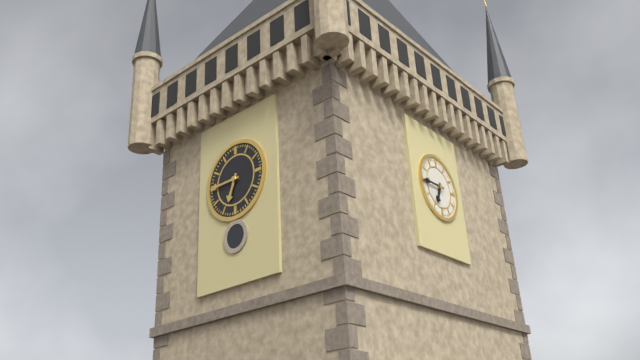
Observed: **6:45**
